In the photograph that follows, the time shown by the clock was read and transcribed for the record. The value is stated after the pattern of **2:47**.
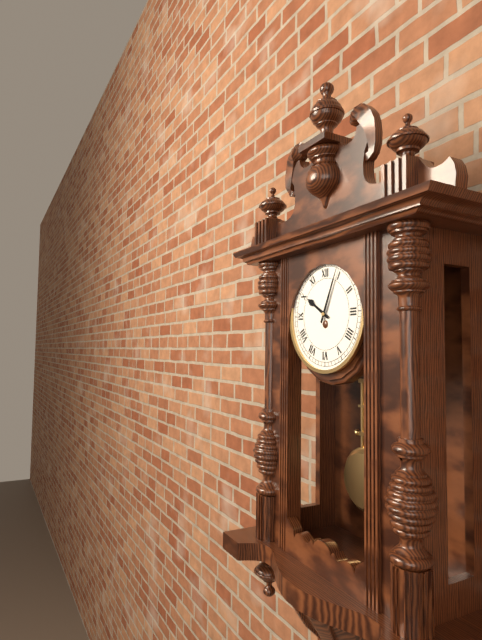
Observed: **10:04**
